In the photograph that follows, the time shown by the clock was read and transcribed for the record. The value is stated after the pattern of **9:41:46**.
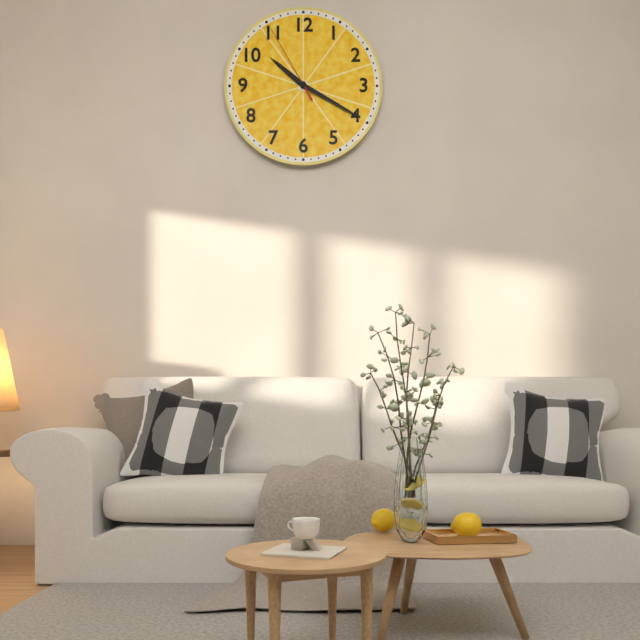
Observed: **10:20:55**
